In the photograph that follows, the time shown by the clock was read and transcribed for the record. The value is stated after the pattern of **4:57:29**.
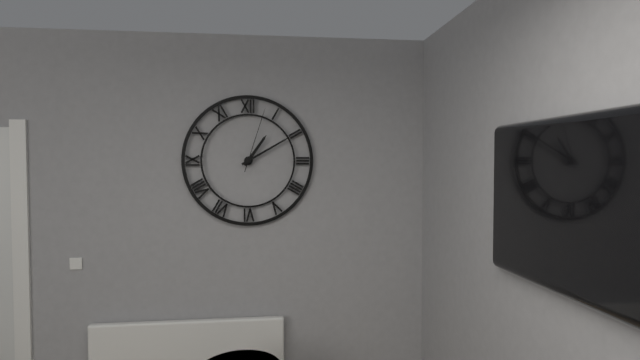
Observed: **1:10:03**
